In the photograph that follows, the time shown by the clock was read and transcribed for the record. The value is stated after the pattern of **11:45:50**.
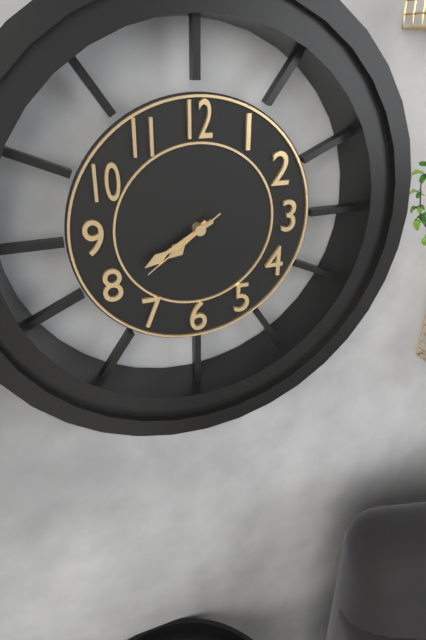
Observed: **7:40:39**
